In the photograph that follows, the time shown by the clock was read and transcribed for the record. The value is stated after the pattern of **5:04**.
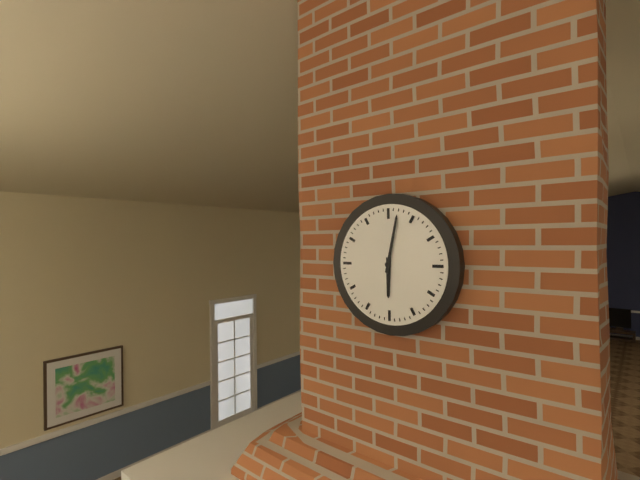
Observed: **6:02**
